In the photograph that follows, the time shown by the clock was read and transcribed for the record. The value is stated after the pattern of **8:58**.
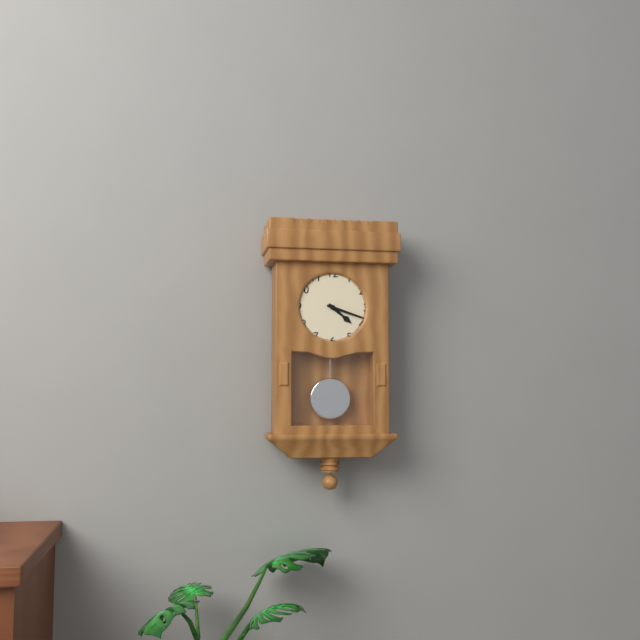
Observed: **4:18**
